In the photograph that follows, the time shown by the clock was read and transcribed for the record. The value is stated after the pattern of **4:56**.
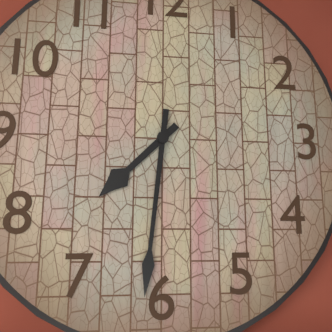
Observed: **7:31**
